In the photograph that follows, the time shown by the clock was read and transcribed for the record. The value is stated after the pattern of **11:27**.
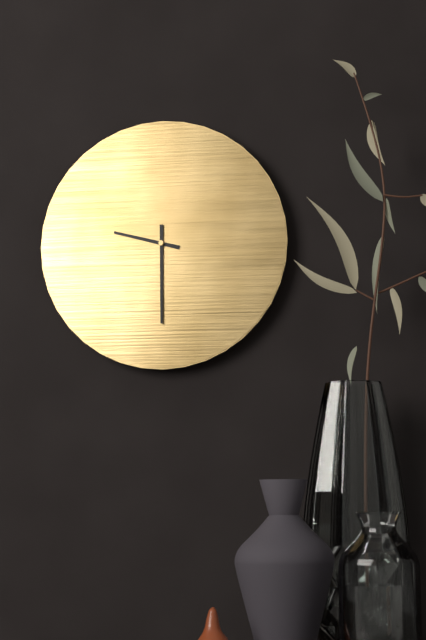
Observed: **9:30**
